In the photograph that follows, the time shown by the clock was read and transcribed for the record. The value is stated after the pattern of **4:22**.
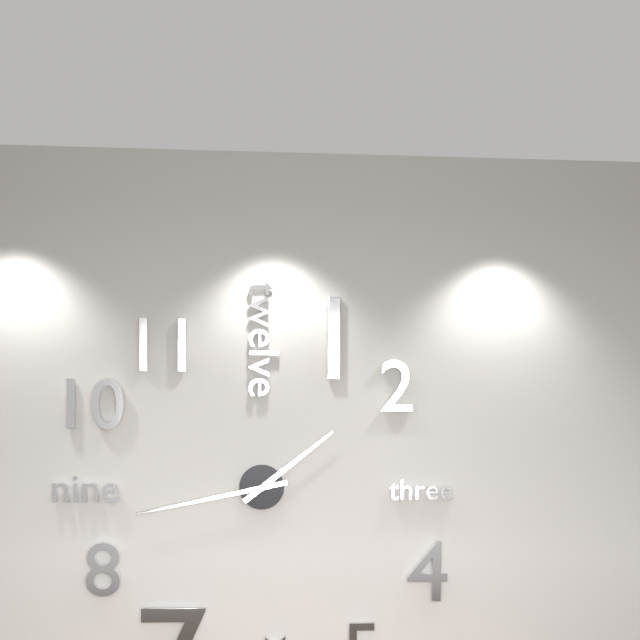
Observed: **1:43**
